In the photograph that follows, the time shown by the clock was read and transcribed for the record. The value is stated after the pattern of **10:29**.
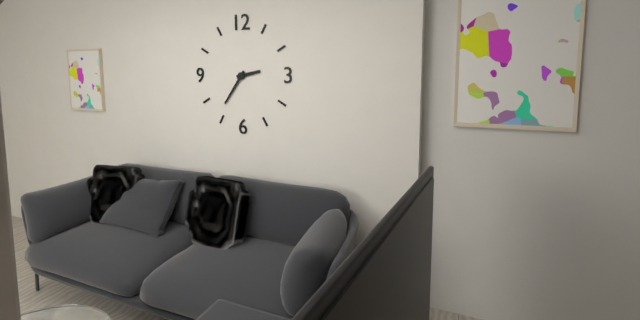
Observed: **2:36**
